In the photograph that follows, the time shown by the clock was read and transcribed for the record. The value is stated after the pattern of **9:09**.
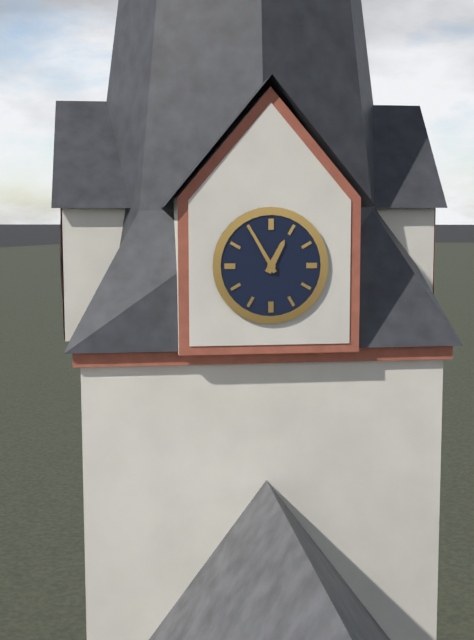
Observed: **12:55**
